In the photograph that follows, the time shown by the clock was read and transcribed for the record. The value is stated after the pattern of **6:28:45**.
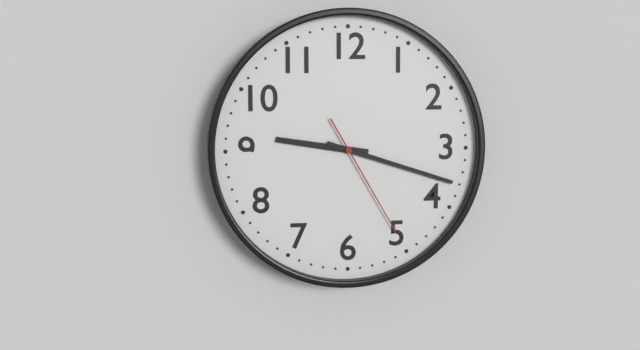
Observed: **9:18:25**
